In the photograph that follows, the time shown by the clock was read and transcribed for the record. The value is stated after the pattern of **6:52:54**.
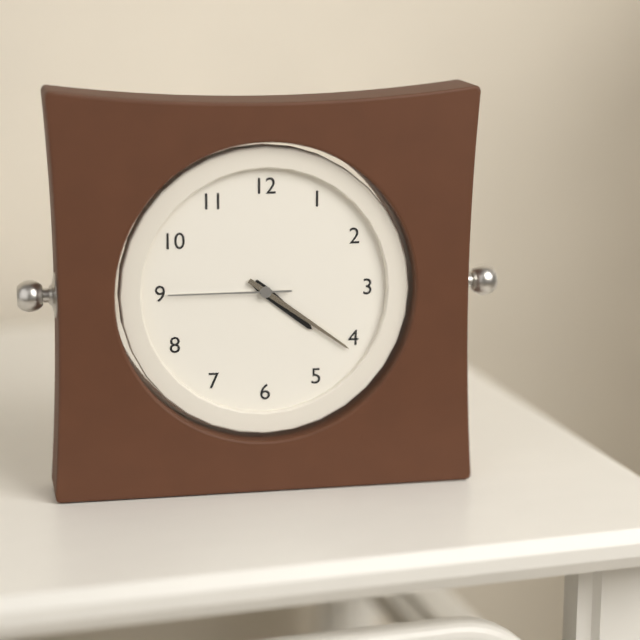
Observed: **4:21:45**
